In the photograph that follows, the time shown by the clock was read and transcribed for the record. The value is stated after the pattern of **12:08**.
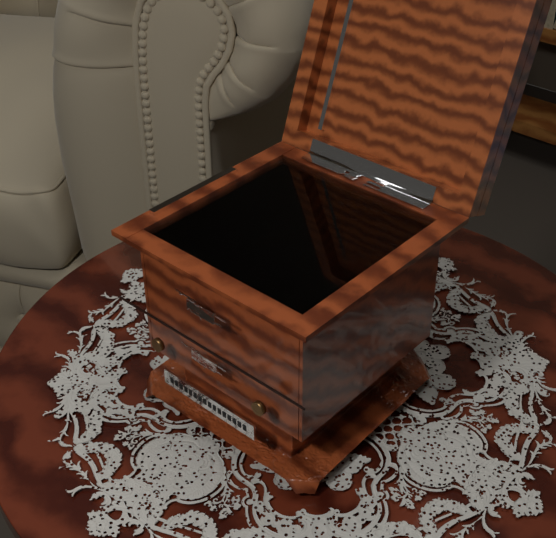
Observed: **10:42**
